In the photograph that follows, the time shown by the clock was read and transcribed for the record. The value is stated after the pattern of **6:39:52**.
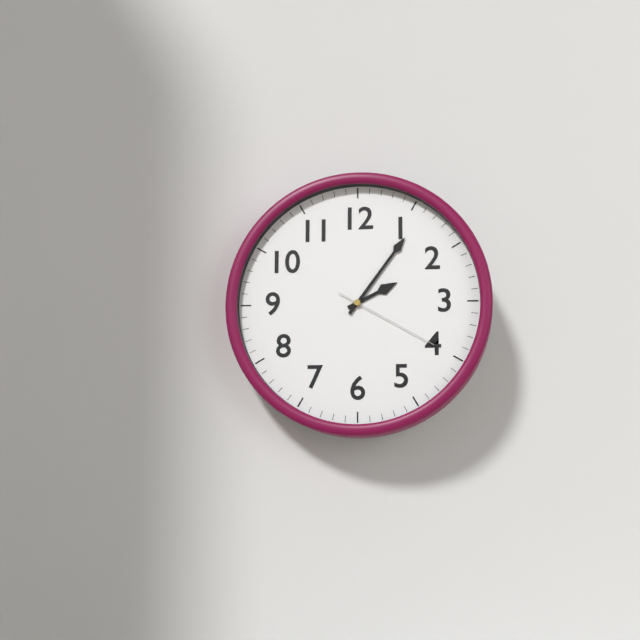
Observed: **2:06:20**
